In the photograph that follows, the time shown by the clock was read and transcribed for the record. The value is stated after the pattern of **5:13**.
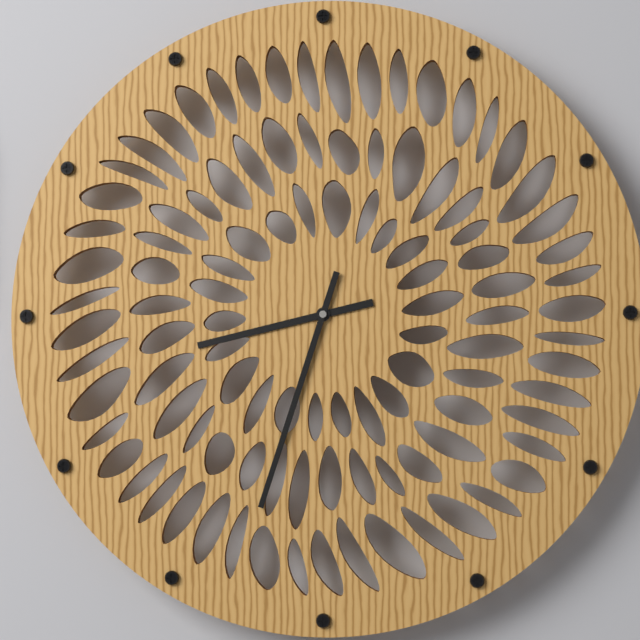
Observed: **8:33**
